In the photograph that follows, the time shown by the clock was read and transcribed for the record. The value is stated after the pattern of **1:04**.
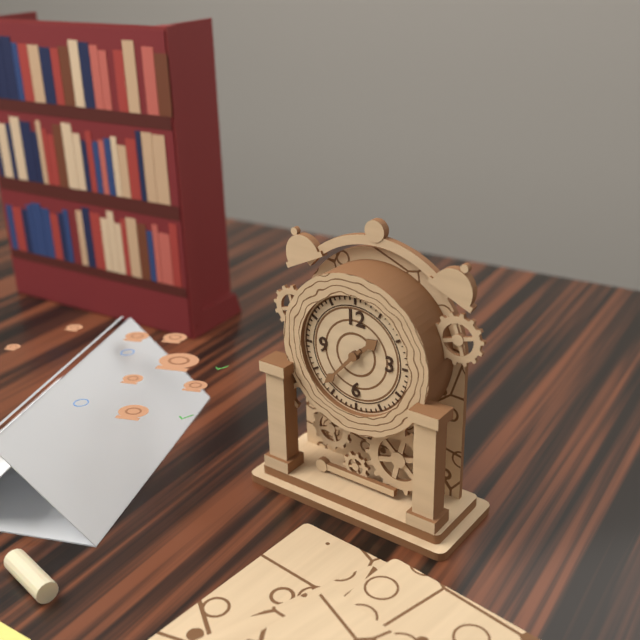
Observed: **1:37**
